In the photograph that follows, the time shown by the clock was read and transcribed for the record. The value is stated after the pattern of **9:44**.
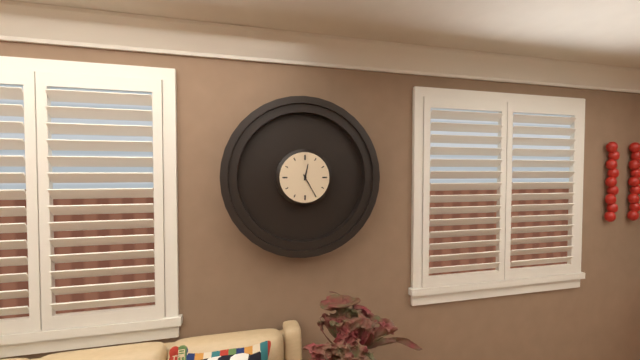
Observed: **12:25**
